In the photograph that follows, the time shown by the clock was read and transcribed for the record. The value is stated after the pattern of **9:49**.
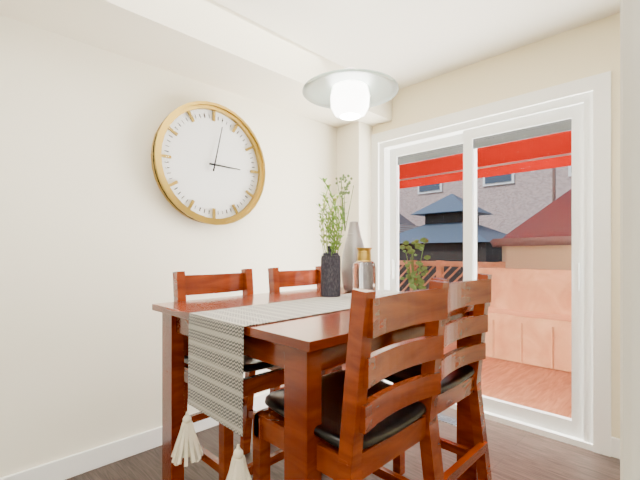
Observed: **3:02**
